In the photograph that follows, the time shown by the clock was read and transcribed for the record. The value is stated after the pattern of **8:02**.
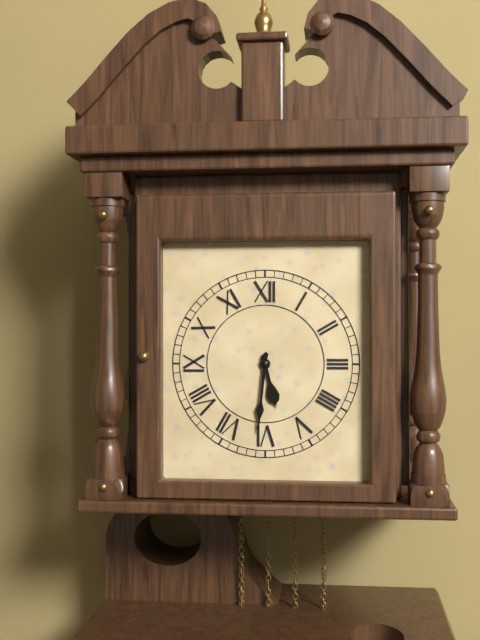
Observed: **5:31**
